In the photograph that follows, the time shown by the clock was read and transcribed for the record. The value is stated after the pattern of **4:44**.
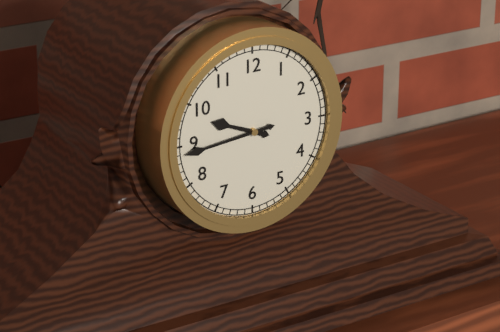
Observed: **9:44**
